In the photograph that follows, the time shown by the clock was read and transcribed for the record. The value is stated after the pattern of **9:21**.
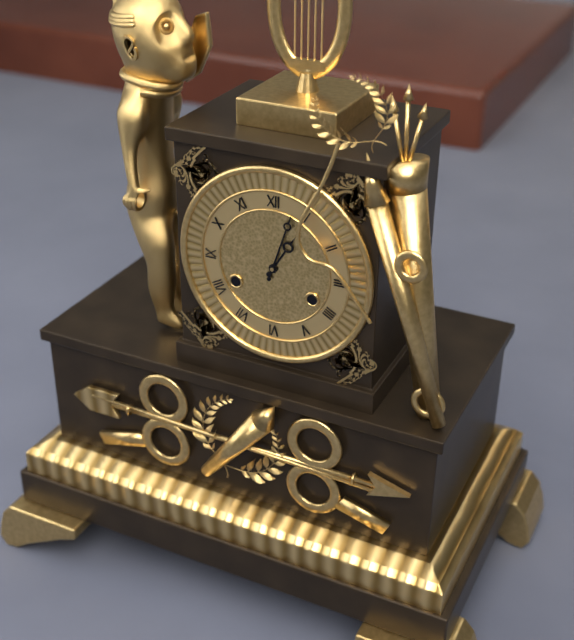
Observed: **1:03**
